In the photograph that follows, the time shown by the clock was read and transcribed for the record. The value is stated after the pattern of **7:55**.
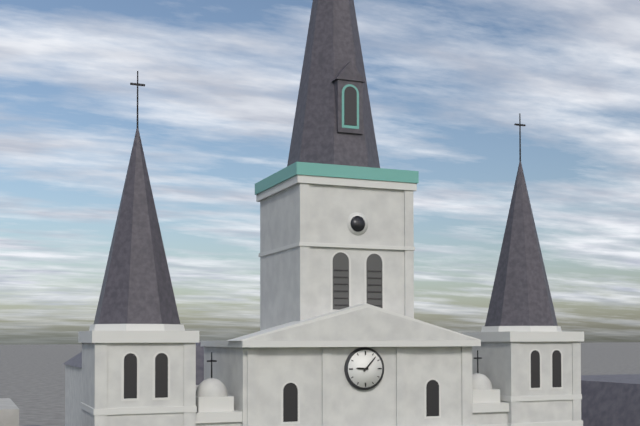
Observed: **9:07**
